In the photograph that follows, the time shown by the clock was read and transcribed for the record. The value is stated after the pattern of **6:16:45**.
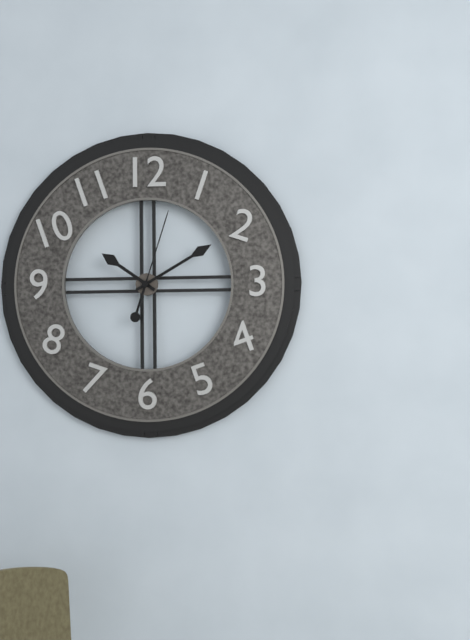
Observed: **10:10:03**
